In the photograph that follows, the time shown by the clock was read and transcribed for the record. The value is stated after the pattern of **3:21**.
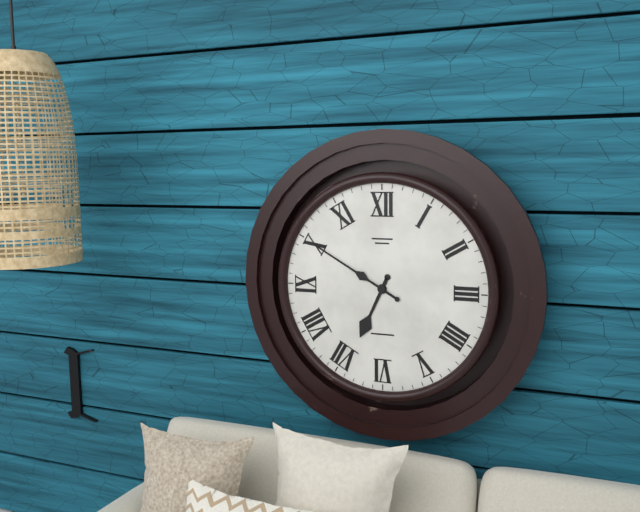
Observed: **6:50**
